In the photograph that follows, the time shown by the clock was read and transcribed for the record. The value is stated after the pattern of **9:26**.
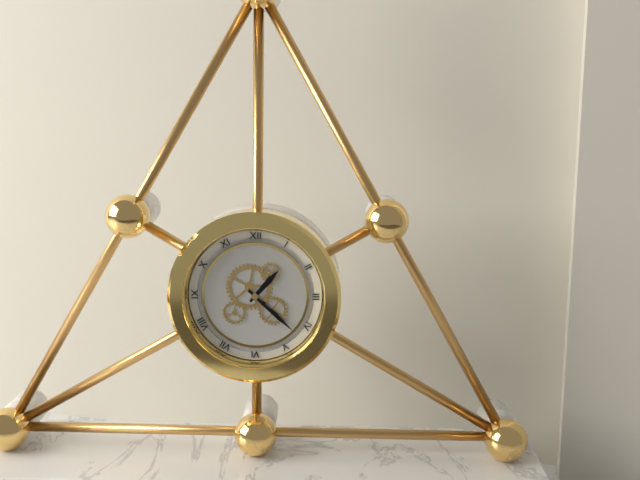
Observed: **1:22**
